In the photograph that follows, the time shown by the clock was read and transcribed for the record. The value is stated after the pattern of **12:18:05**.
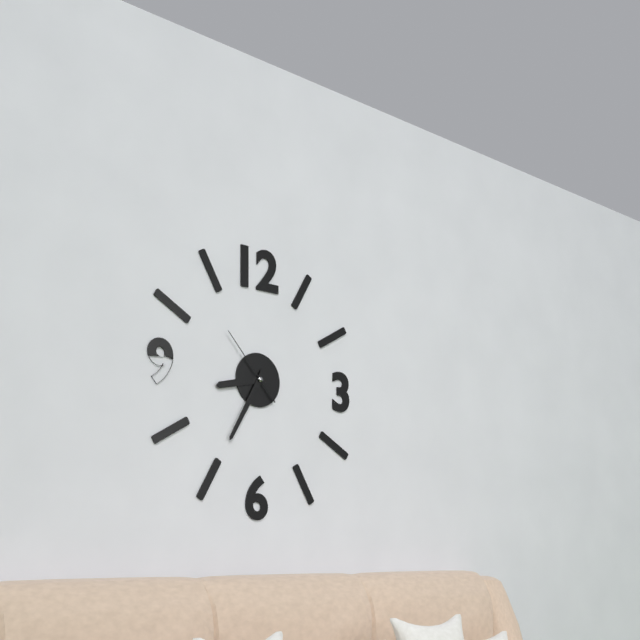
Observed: **8:35:53**
